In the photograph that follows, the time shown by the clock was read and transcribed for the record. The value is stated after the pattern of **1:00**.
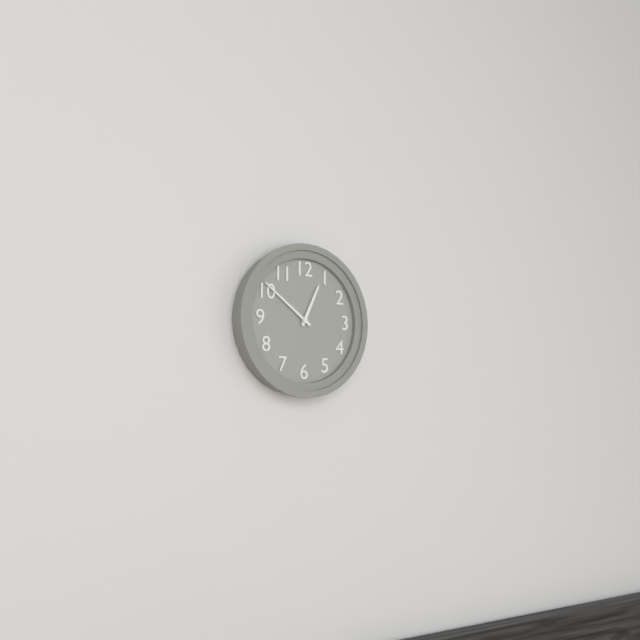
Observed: **12:51**
